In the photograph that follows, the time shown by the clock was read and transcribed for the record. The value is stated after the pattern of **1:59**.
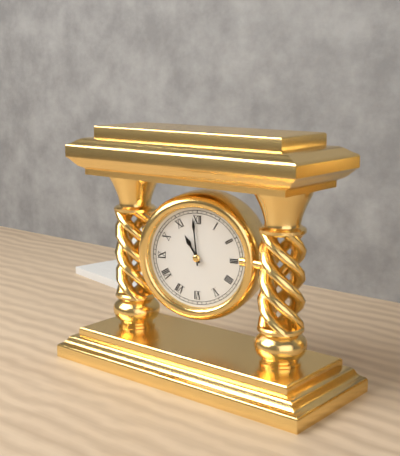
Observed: **10:59**
